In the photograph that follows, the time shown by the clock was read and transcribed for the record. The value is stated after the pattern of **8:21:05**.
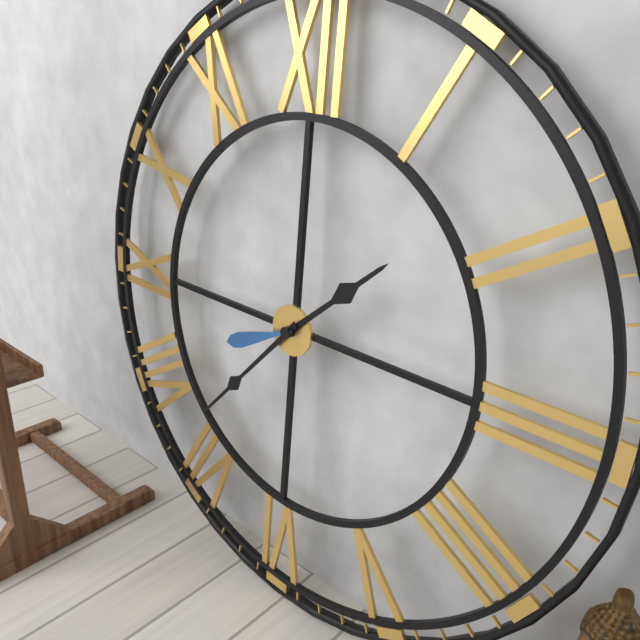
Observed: **1:37:41**
